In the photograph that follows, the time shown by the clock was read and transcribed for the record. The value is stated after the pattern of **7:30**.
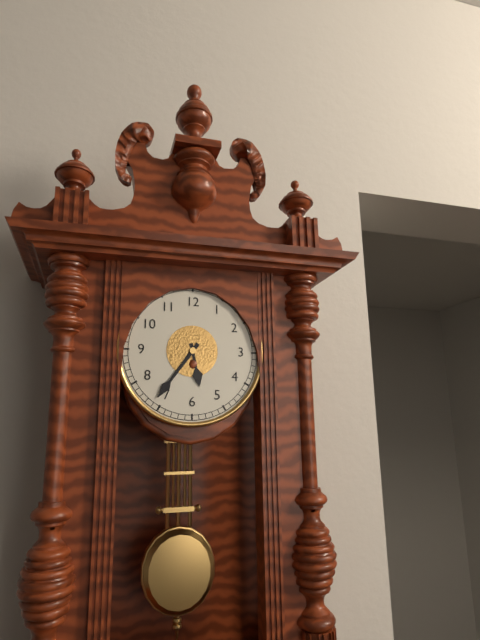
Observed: **5:36**
